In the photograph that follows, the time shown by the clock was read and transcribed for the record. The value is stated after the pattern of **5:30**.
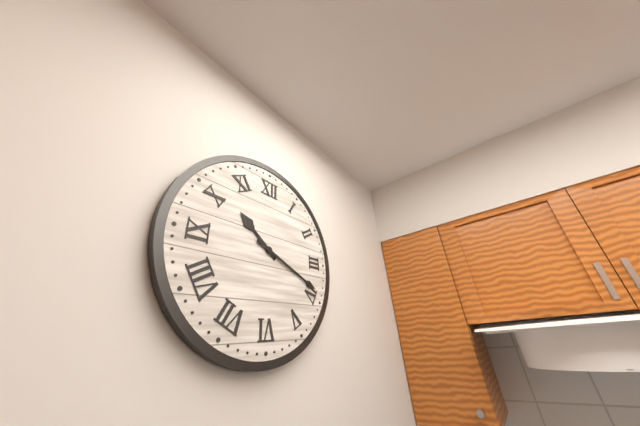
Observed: **10:19**
